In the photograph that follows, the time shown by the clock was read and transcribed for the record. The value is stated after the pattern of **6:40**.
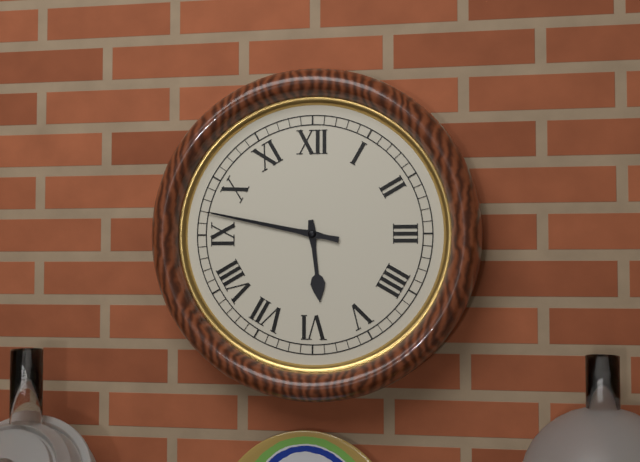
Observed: **5:47**
